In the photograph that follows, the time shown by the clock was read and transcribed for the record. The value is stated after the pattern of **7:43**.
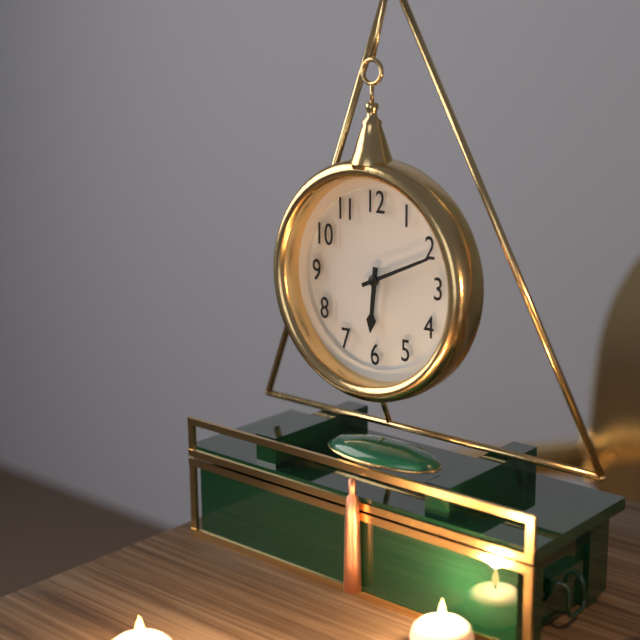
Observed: **6:11**
